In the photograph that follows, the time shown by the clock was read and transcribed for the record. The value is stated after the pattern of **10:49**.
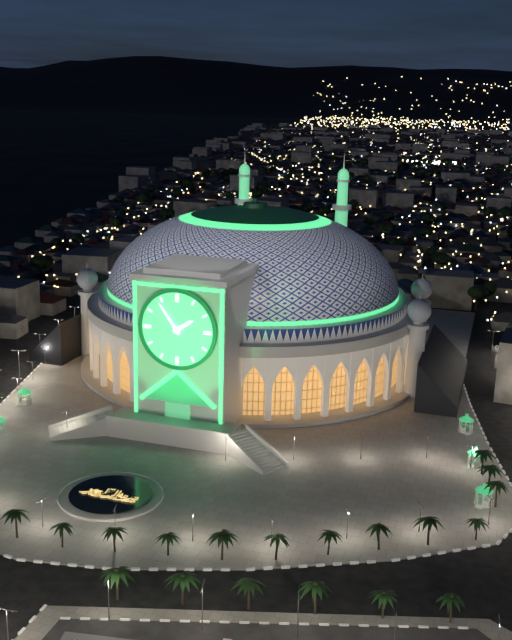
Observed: **1:54**
